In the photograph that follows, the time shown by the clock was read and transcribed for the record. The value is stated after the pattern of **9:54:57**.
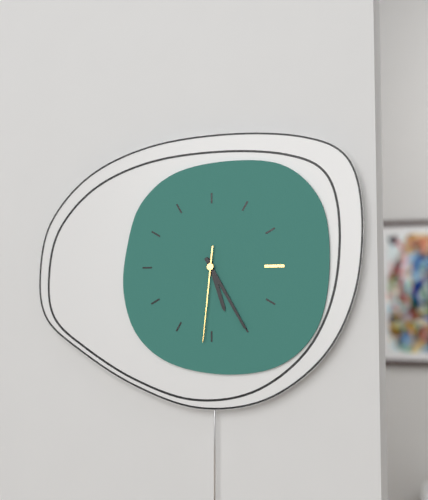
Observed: **5:25:31**
